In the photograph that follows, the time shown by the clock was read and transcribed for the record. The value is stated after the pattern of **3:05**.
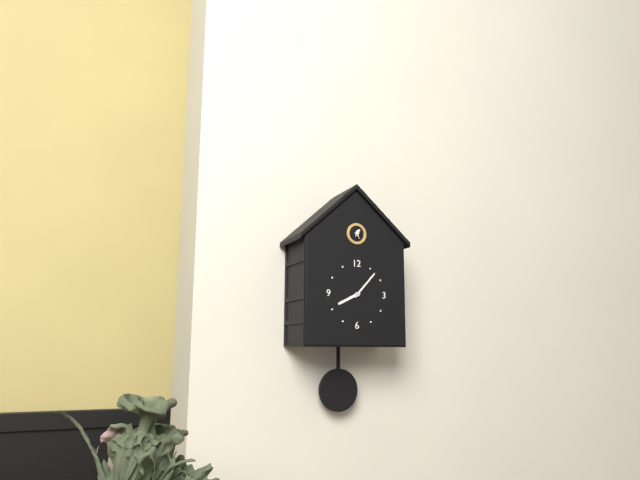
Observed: **8:07**
